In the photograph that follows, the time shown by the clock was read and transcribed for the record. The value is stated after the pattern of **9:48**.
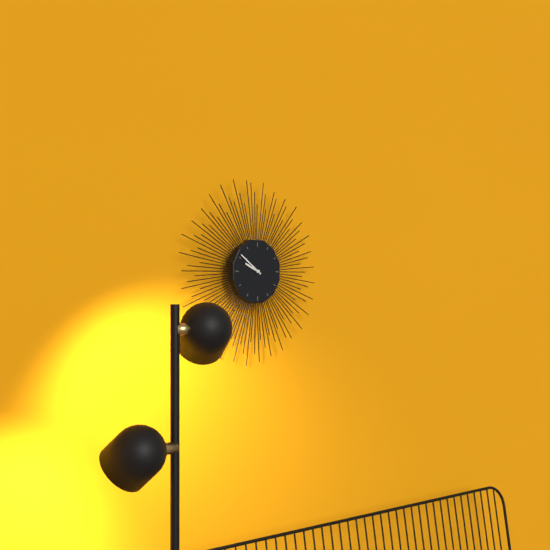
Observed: **9:51**
